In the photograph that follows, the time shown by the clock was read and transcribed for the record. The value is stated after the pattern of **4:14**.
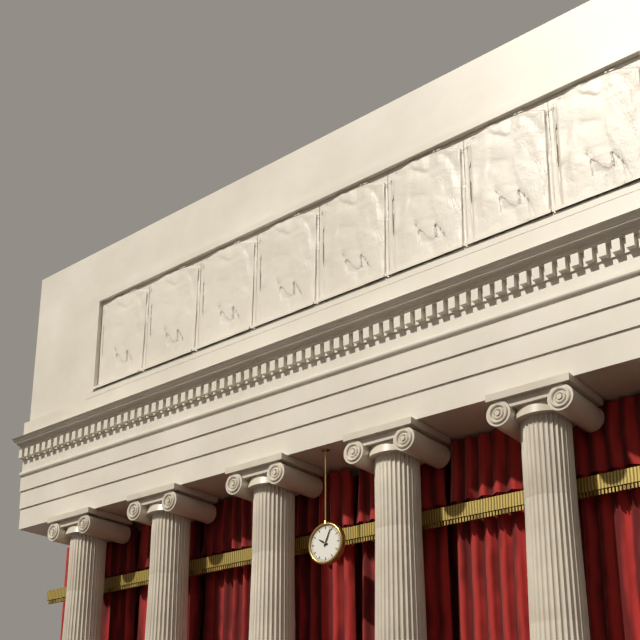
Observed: **10:04**
